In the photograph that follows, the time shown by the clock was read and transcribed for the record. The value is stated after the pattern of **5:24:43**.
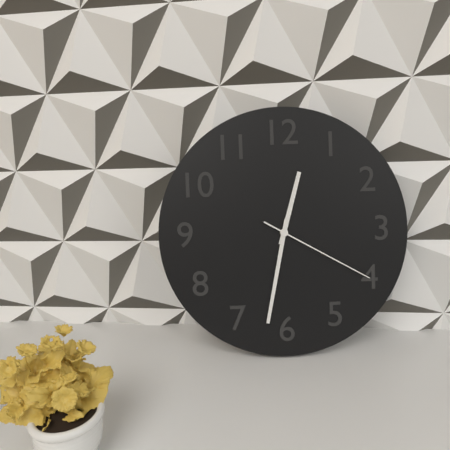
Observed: **12:32:20**
